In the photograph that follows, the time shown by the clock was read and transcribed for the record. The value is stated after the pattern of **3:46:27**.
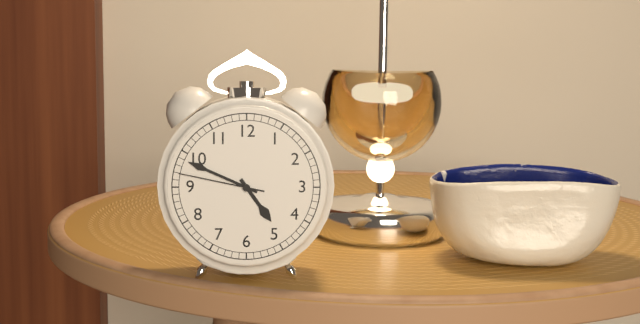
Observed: **4:49:47**
